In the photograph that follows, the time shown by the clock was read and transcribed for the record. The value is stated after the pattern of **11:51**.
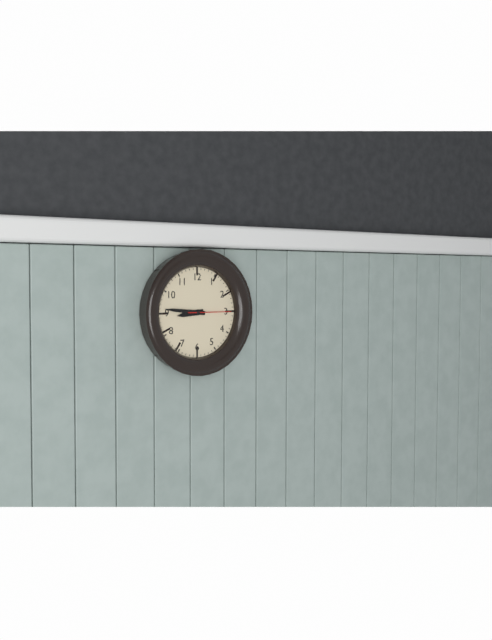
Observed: **8:46**
